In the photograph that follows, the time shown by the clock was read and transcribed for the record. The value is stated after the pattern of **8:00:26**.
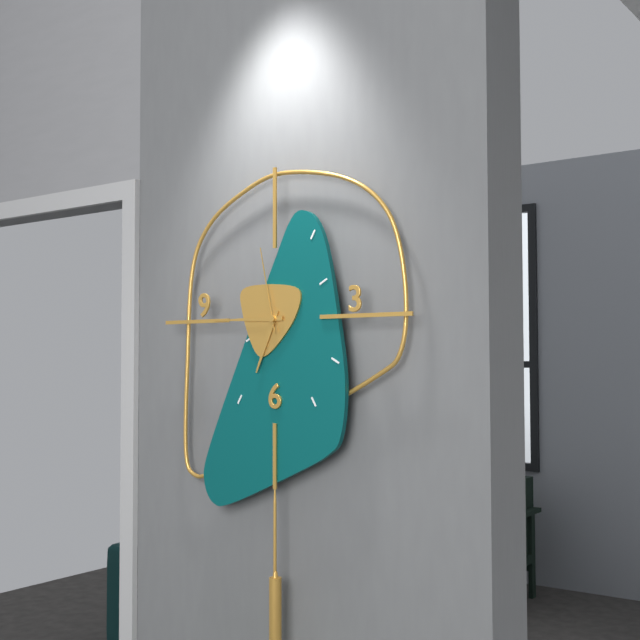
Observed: **6:45:58**
